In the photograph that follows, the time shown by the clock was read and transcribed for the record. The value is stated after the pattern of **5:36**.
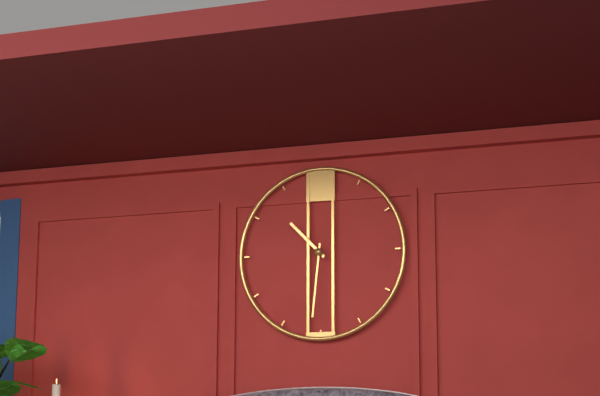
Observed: **10:31**
